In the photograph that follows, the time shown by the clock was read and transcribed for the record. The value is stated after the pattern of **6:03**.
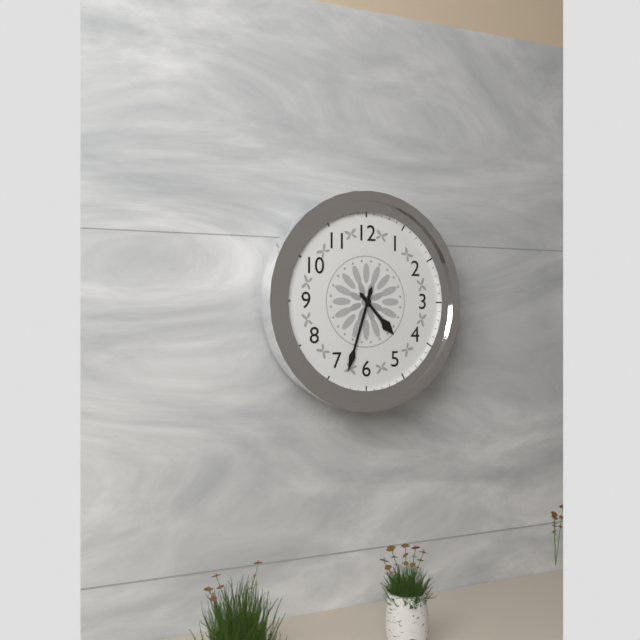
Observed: **4:33**
